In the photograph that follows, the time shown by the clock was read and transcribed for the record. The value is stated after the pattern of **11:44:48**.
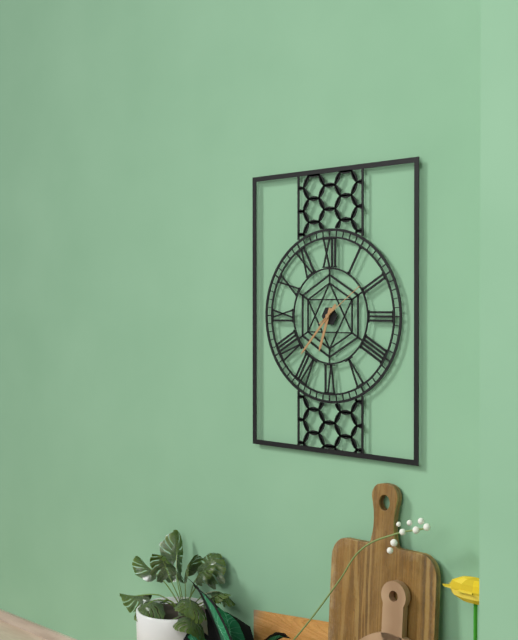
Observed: **6:37:09**
